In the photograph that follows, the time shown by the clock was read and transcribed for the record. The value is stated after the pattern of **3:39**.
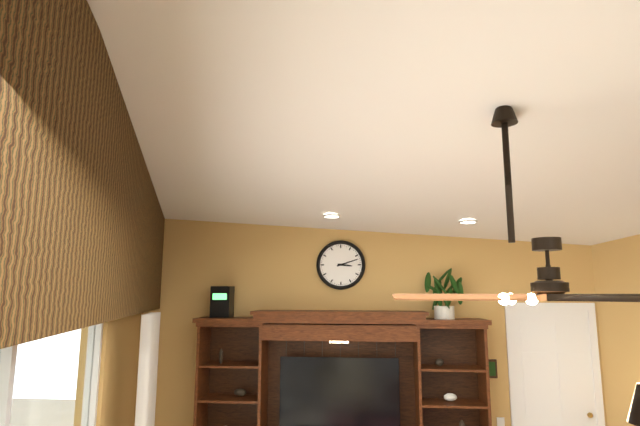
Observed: **3:12**
